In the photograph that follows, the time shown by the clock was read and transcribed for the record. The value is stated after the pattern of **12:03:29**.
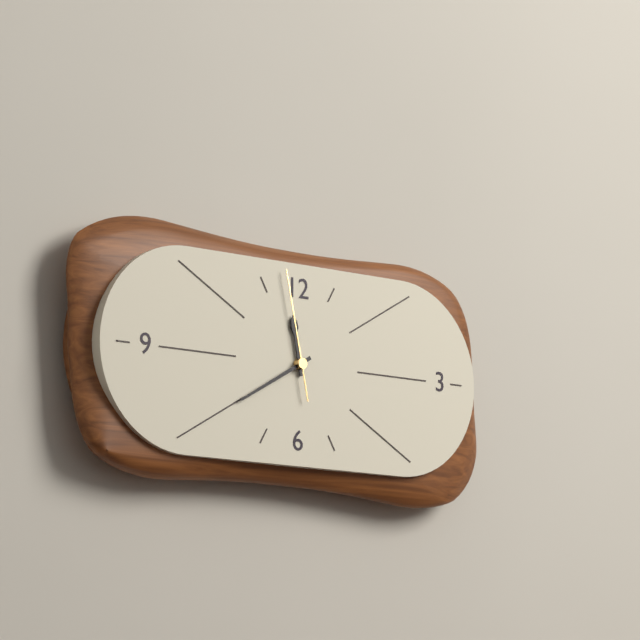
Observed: **11:40:58**
